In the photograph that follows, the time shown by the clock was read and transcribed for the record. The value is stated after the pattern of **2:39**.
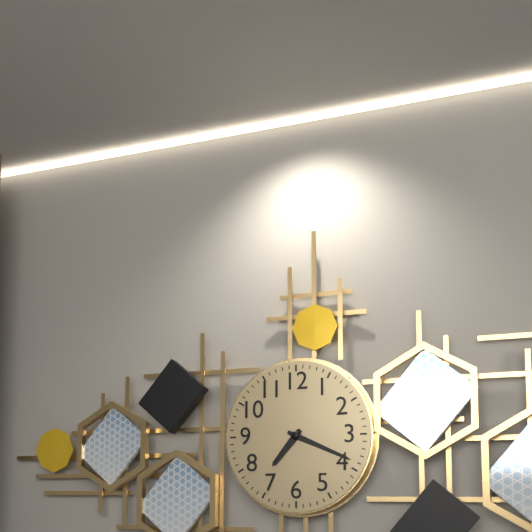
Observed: **7:19**
